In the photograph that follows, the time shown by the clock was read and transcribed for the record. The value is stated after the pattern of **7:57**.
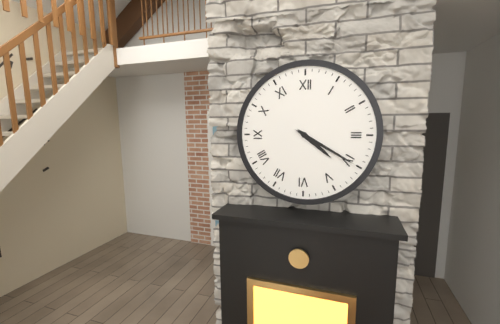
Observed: **4:20**
